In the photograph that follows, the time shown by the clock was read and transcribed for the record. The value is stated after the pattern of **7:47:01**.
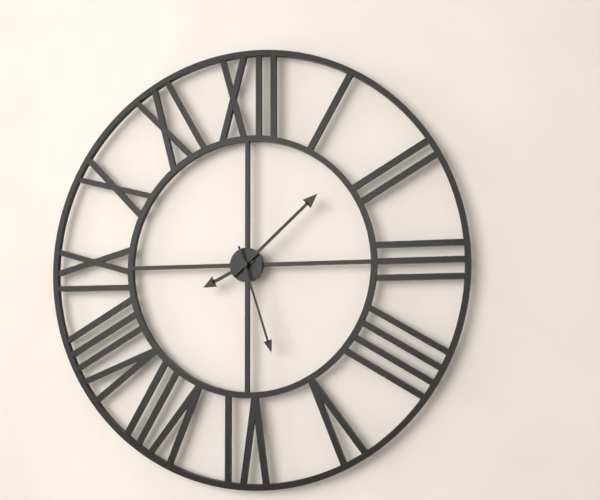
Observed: **8:08:27**
